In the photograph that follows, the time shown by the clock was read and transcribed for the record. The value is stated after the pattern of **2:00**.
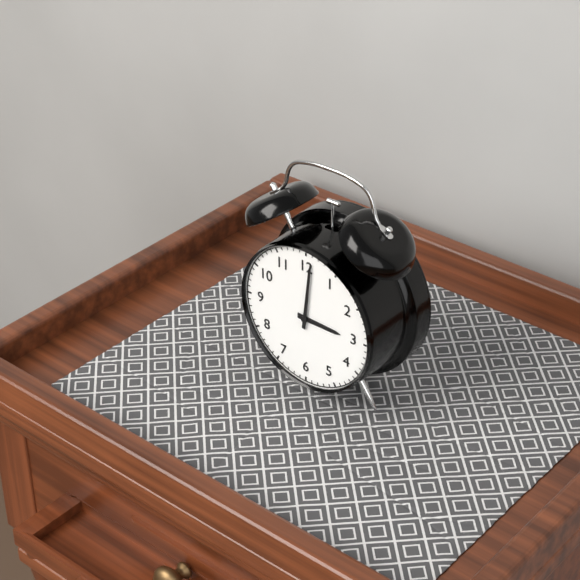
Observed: **3:01**
